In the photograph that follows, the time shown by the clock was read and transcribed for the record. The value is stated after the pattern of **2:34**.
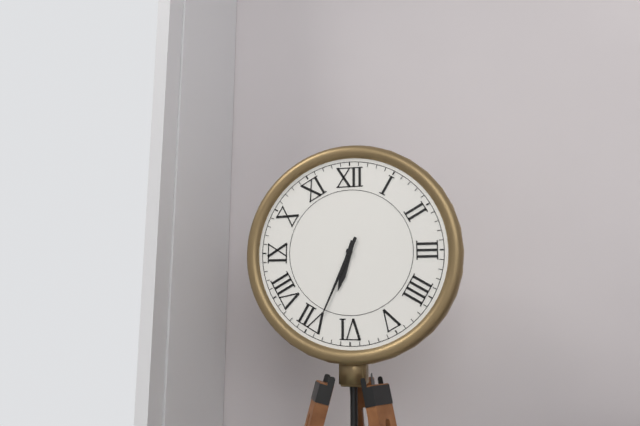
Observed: **6:34**
